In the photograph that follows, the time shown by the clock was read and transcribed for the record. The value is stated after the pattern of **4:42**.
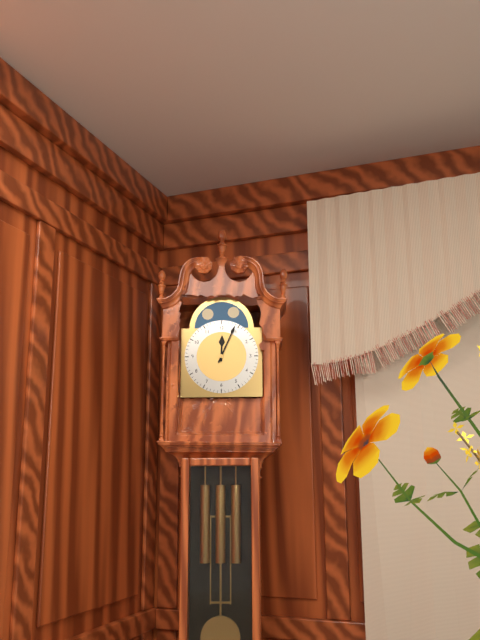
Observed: **12:04**
